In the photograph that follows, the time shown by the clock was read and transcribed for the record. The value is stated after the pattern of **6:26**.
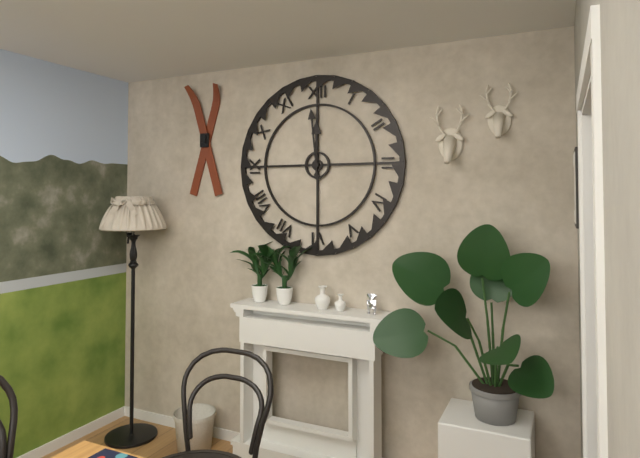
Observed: **11:59**
